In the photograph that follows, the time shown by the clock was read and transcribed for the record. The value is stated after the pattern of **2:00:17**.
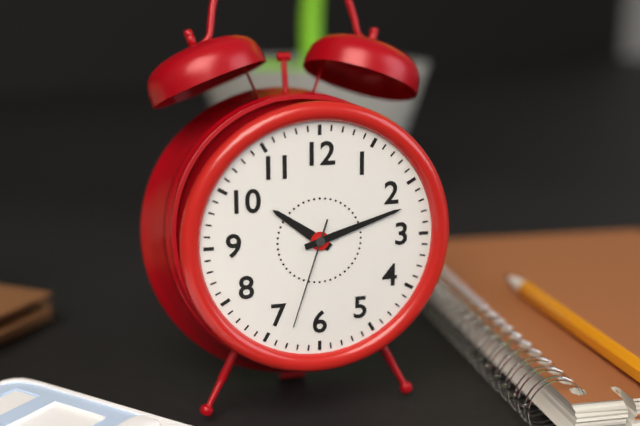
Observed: **10:12:33**
